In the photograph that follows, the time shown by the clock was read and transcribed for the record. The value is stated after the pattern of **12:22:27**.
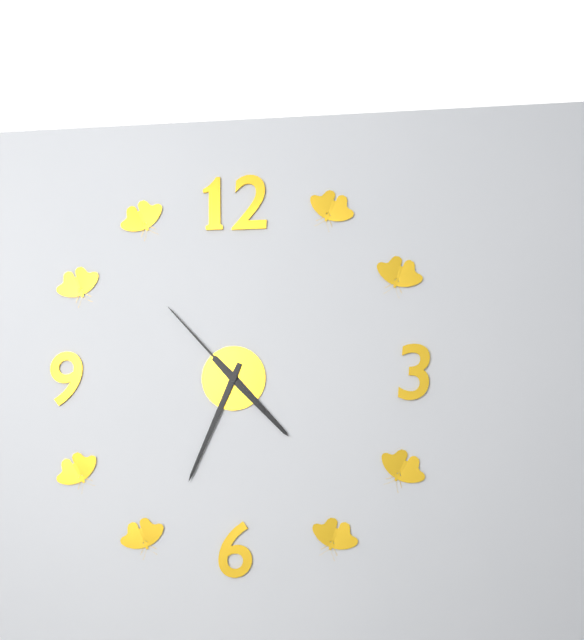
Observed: **4:34:53**
